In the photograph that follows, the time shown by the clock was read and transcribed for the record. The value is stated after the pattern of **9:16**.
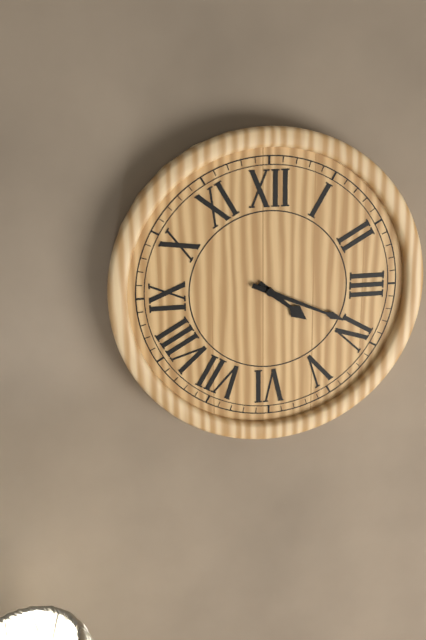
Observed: **4:19**
